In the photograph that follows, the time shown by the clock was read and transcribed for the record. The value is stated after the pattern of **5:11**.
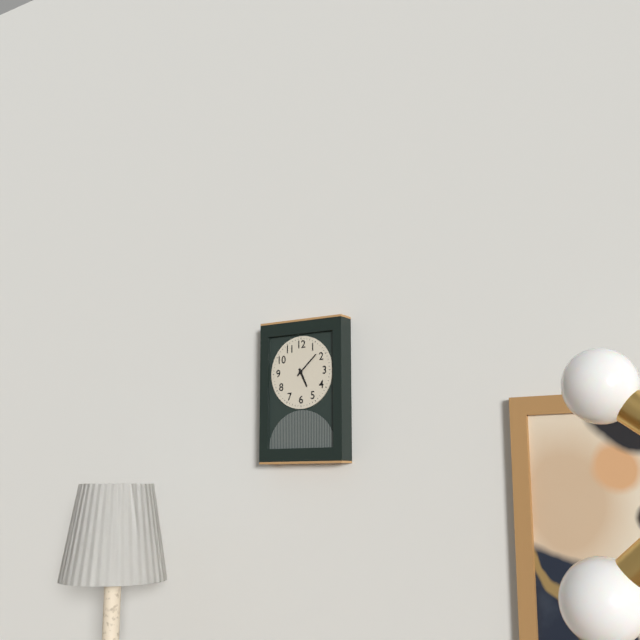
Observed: **5:08**
